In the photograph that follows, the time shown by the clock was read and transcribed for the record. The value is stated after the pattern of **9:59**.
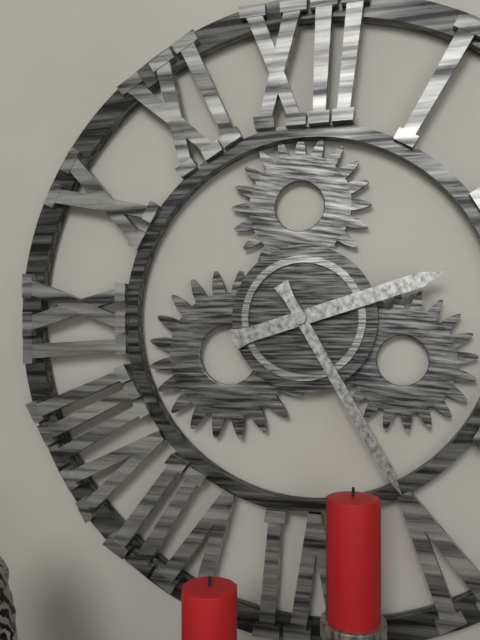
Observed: **2:25**
